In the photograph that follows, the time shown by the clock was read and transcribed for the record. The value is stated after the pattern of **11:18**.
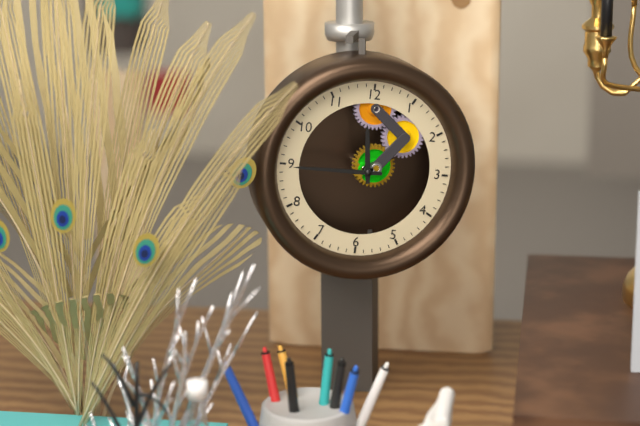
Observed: **11:45**
